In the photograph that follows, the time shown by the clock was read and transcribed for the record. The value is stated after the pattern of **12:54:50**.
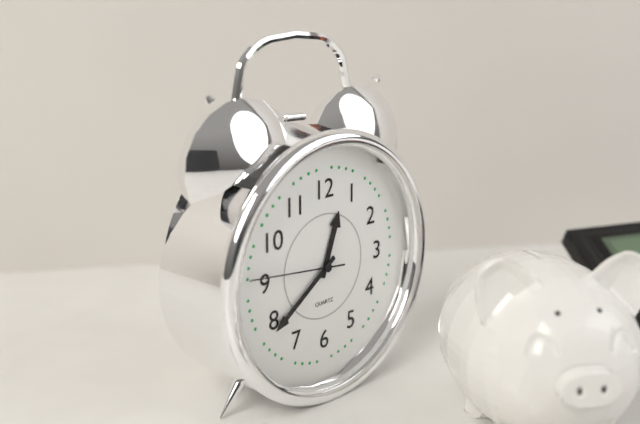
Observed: **12:39:46**
